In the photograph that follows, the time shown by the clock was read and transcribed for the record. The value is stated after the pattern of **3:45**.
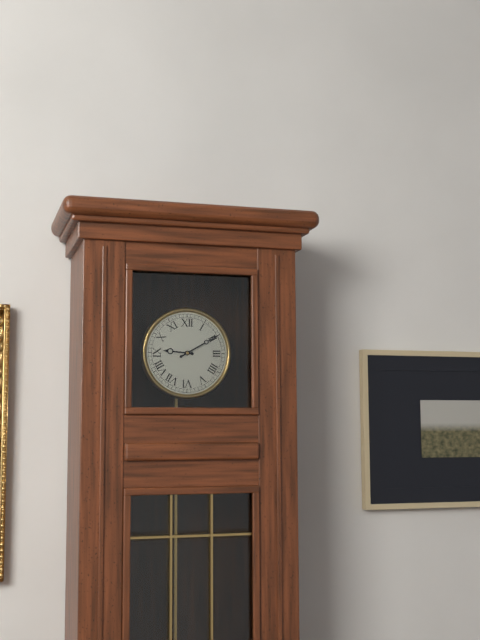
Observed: **9:10**
